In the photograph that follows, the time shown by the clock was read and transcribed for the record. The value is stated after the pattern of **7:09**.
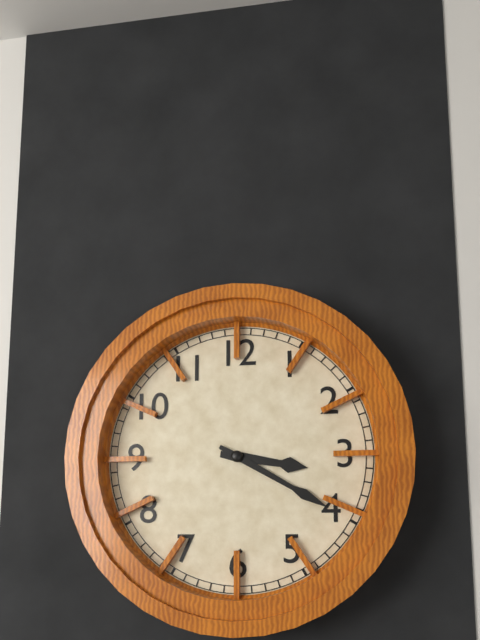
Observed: **3:20**
